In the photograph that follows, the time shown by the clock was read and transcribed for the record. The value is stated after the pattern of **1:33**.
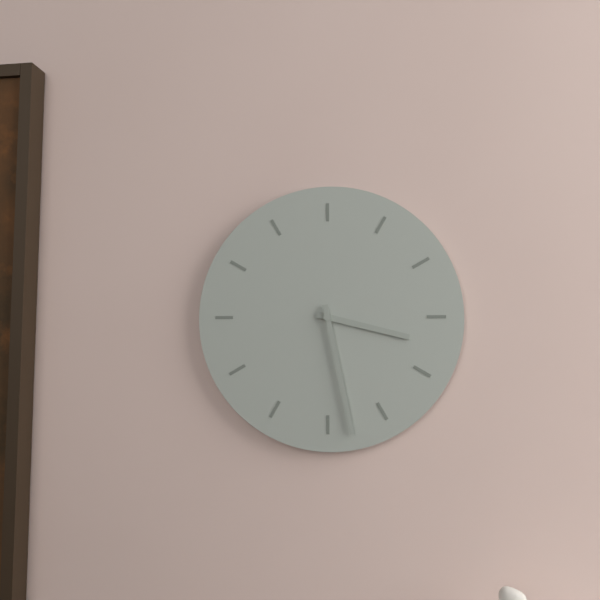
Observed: **3:28**
